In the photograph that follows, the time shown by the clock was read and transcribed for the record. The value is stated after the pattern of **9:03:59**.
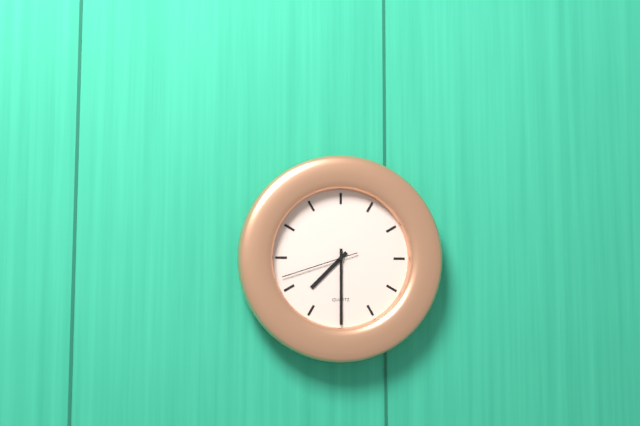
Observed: **7:30:42**
